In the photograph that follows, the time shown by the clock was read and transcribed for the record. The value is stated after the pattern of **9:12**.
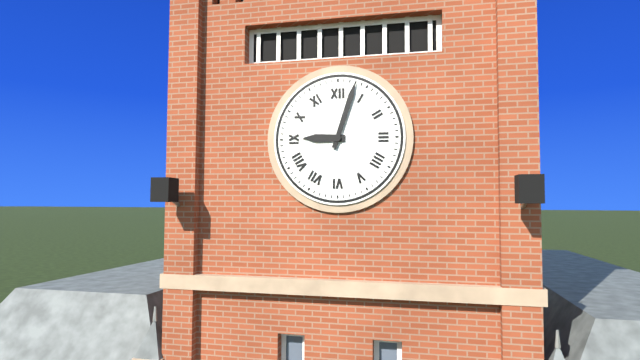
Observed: **9:03**
